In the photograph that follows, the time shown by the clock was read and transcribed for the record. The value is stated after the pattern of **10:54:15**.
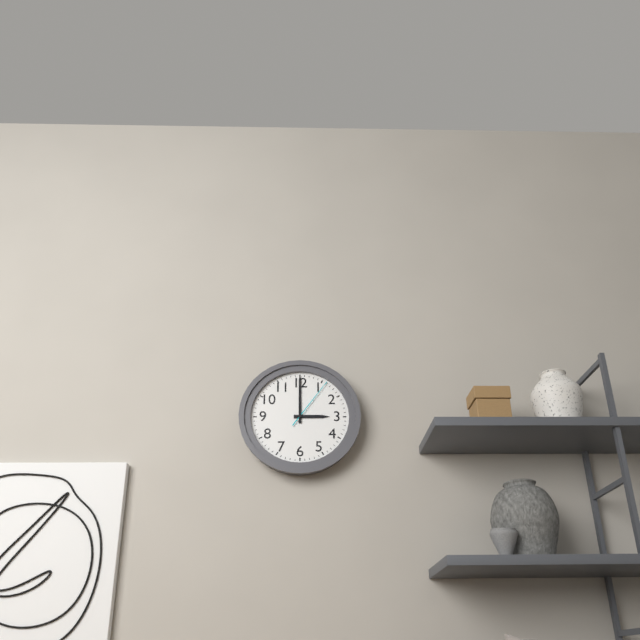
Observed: **3:00:06**
